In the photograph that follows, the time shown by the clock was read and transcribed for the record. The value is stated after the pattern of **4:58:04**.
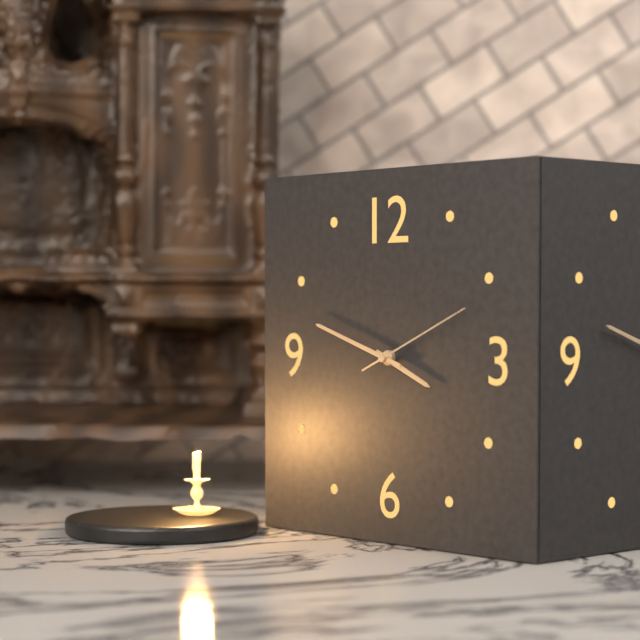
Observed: **3:48:11**
